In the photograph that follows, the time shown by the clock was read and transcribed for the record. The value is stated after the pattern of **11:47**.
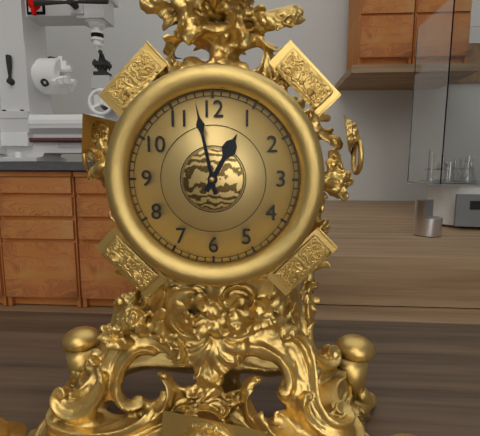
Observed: **12:58**
